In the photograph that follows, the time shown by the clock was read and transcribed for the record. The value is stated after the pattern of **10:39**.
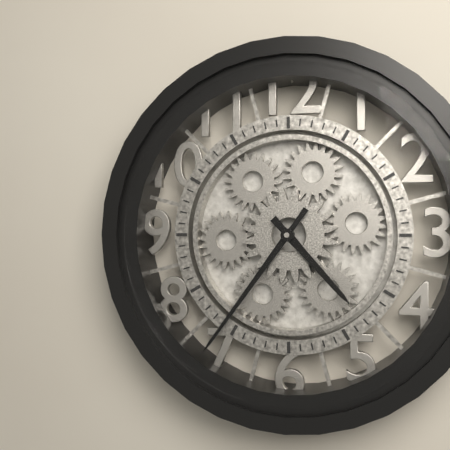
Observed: **4:36**
